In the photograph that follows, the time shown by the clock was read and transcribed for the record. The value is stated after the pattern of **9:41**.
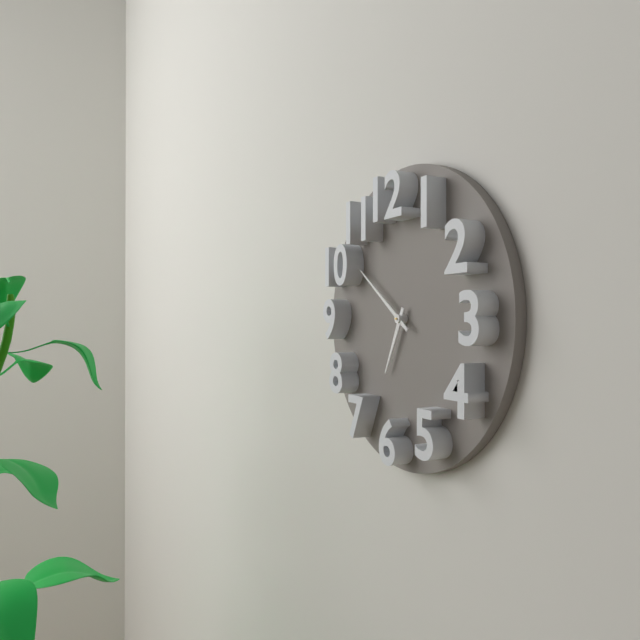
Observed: **6:51**
